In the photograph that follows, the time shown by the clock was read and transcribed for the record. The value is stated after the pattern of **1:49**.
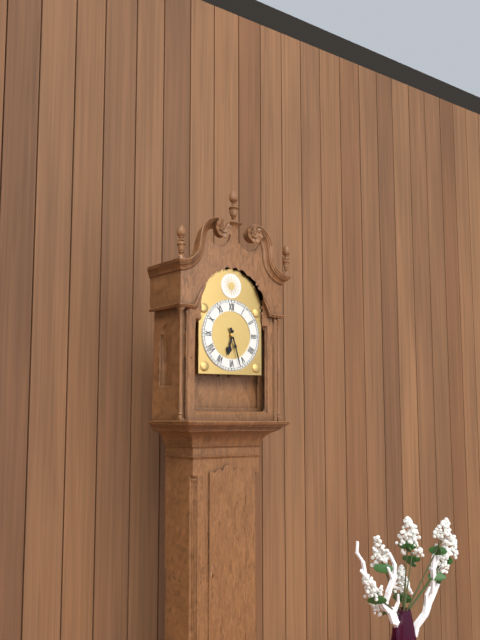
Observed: **6:27**
